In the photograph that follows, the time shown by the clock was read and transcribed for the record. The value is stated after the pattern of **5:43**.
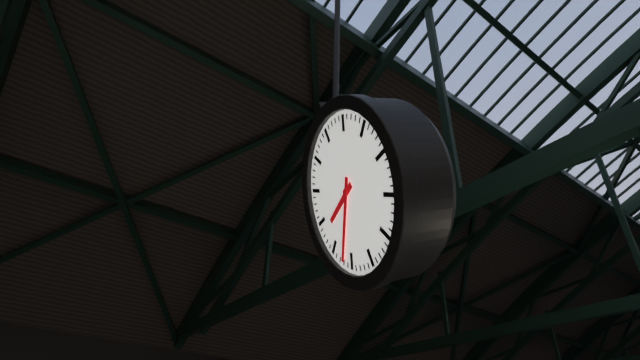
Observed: **8:37**
